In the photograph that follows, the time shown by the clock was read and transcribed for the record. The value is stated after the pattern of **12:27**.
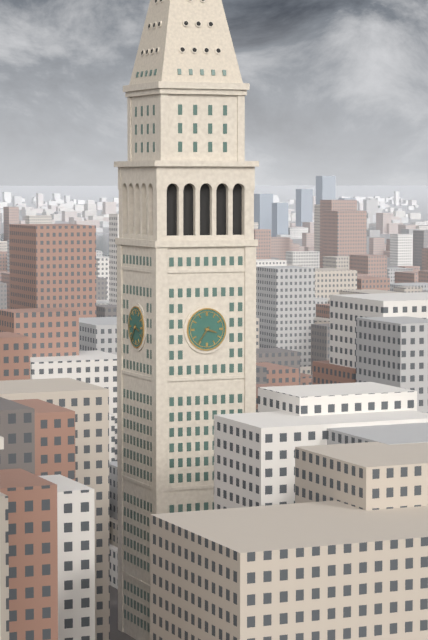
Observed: **3:36**
